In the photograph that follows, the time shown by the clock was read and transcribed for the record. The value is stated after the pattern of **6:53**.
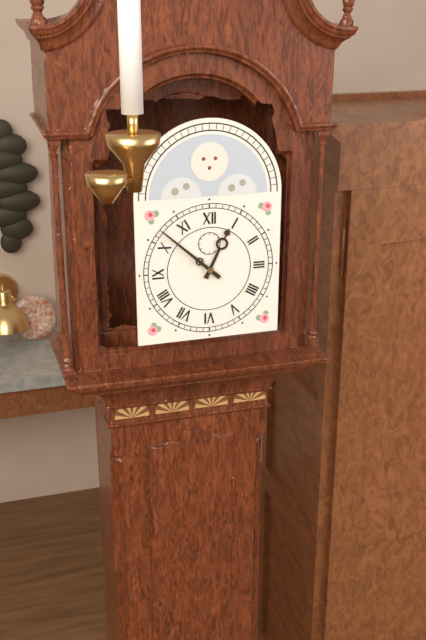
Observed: **12:52**
